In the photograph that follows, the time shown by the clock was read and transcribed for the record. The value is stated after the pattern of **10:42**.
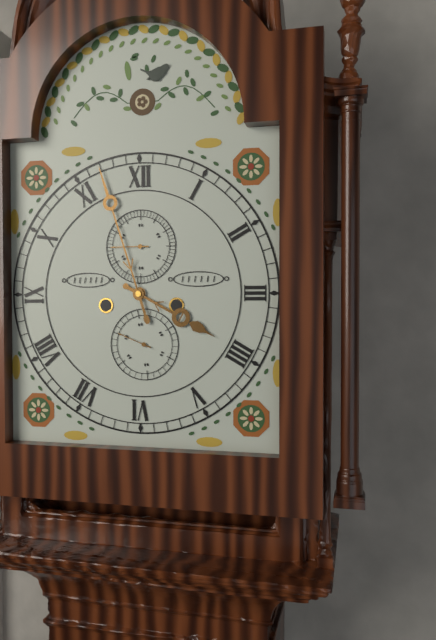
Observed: **3:57**
